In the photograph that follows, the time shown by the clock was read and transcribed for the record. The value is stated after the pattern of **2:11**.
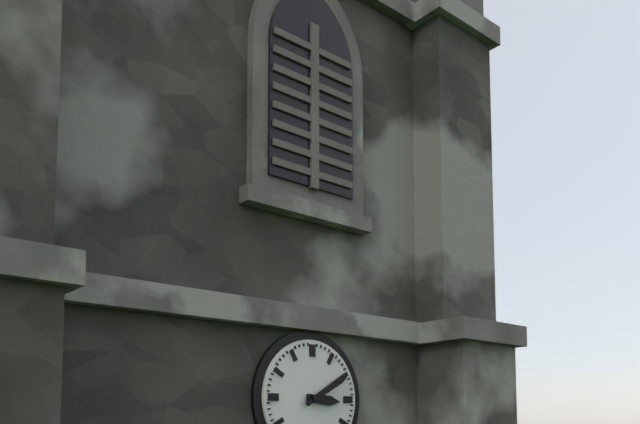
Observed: **3:10**
